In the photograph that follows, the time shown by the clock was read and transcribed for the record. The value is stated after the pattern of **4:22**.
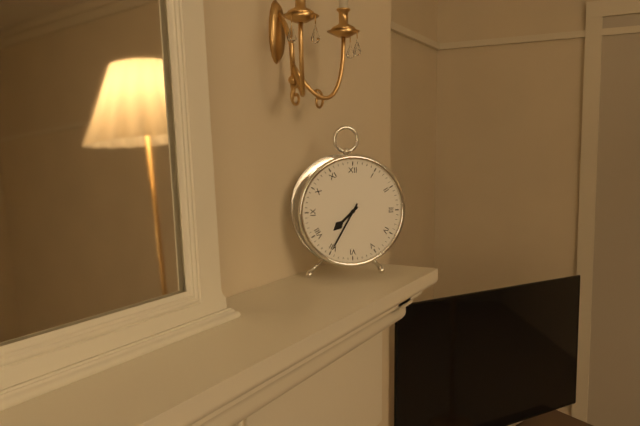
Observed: **7:35**
